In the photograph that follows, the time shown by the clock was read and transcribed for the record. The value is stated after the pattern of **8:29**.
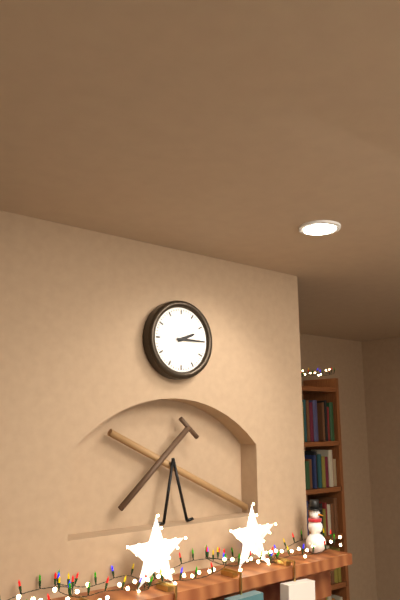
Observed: **2:15**
